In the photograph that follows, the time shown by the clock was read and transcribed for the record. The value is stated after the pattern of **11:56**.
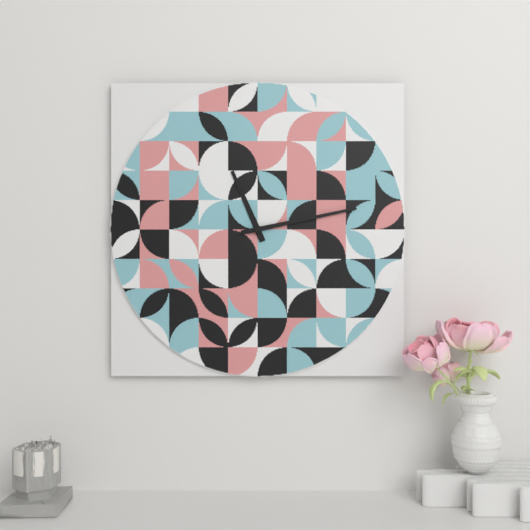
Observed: **11:13**
